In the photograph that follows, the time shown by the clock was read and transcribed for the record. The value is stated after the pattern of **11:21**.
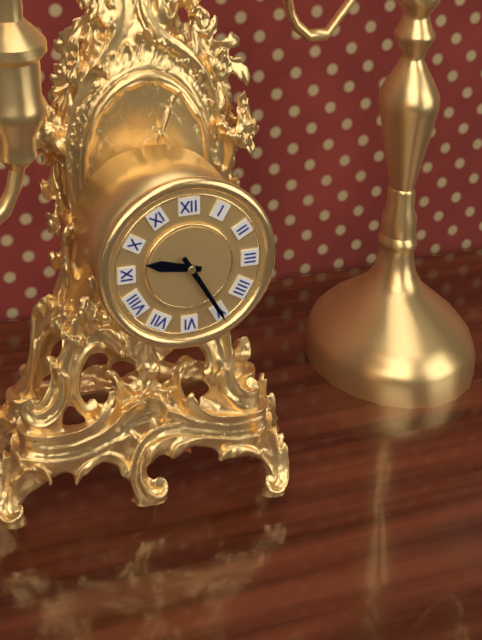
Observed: **9:25**
